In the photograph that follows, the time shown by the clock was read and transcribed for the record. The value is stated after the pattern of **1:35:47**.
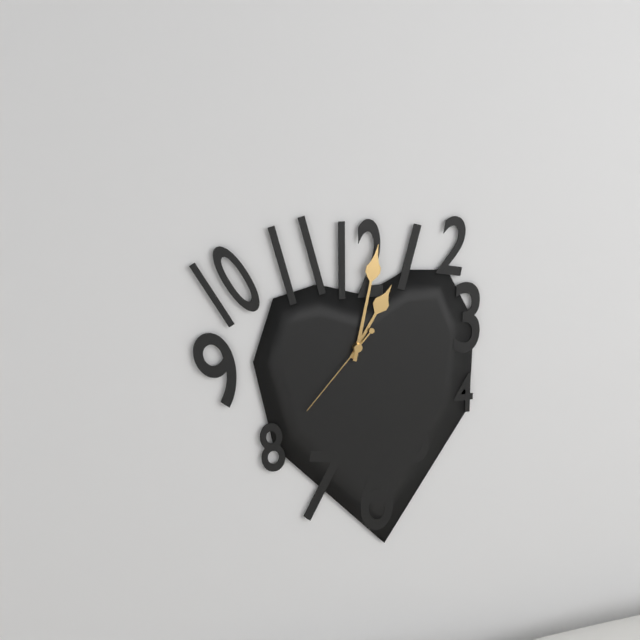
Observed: **1:02:37**
